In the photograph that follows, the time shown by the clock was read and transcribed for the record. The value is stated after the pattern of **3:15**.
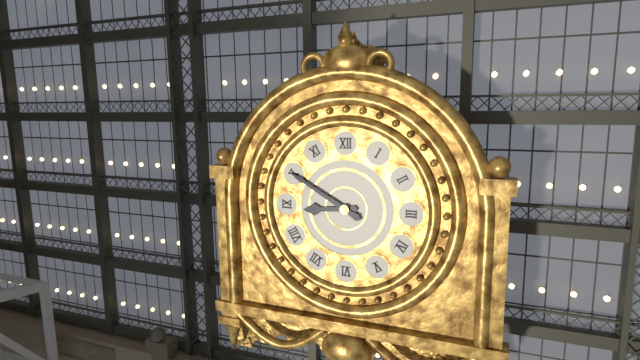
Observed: **8:50**
